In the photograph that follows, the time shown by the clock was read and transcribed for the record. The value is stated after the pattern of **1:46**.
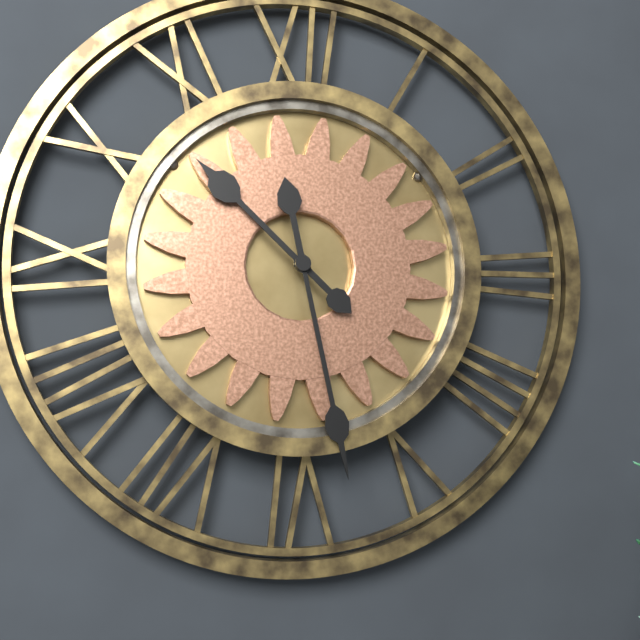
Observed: **10:28**
